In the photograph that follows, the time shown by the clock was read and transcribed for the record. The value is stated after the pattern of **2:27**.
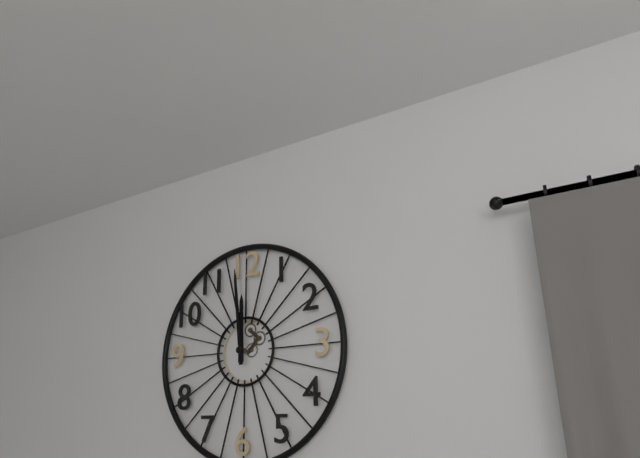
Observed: **11:59**
